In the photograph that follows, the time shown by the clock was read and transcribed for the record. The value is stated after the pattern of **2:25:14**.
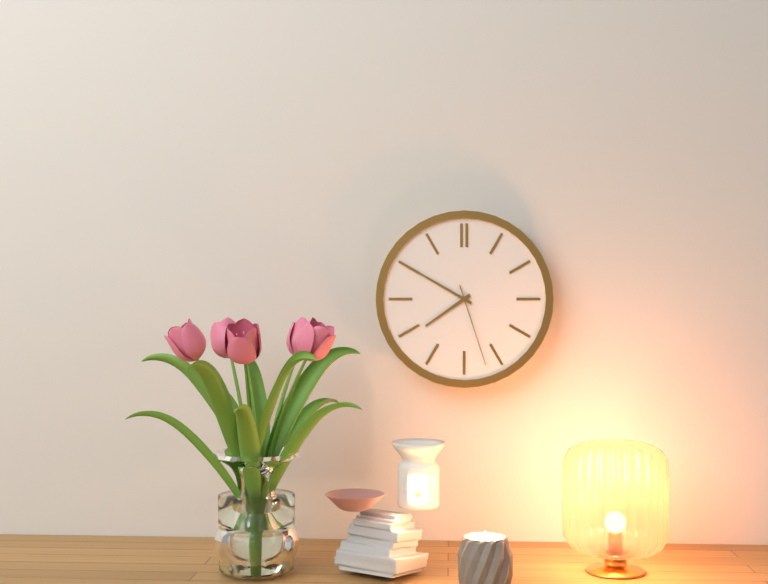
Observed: **7:50:27**
